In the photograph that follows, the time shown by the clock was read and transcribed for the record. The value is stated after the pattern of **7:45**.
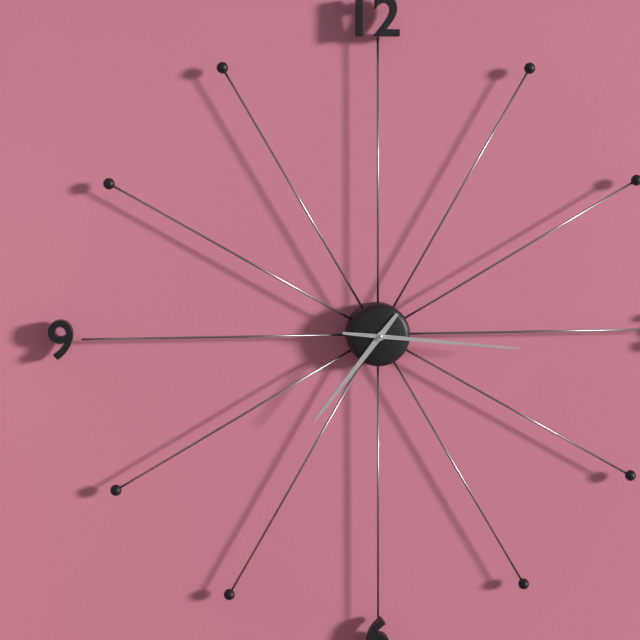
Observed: **7:16**
